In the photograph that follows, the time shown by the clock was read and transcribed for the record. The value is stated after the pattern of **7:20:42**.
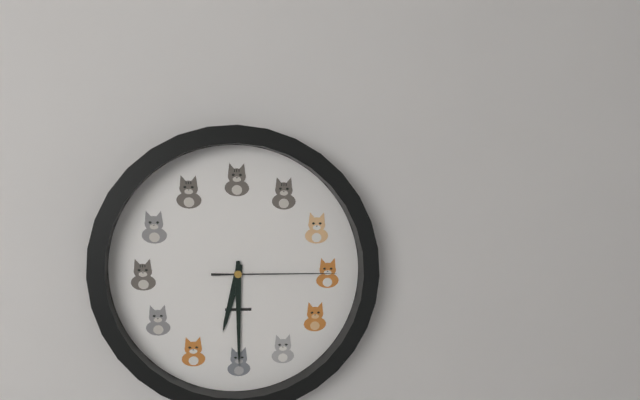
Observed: **6:30:15**
